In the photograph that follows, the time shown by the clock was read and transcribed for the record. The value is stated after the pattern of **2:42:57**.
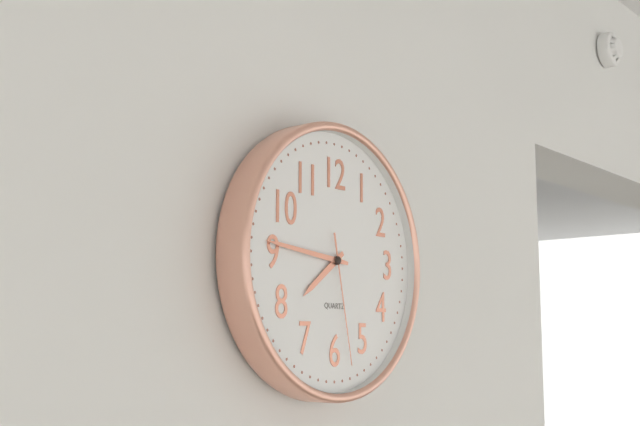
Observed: **7:46:28**
